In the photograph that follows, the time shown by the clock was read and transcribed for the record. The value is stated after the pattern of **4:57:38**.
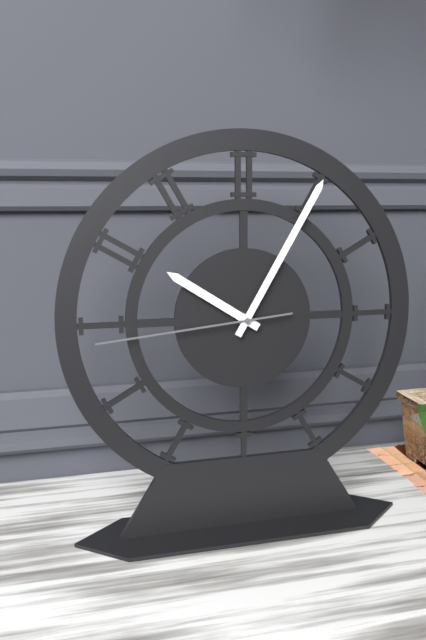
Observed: **10:05:44**
